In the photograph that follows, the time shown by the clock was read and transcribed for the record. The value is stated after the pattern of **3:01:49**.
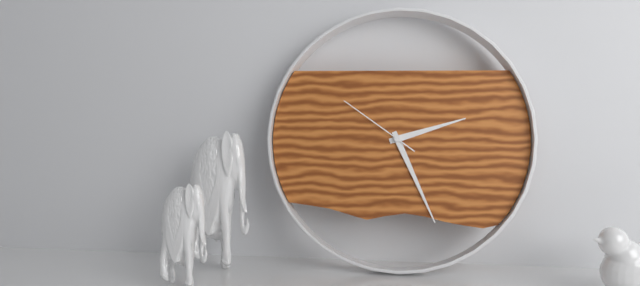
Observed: **2:26:51**
